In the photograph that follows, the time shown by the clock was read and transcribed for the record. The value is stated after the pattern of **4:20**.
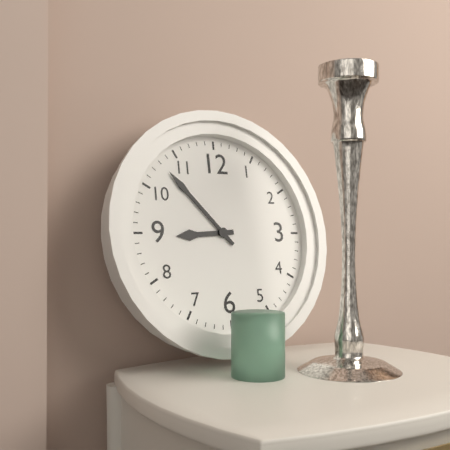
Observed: **8:53**
